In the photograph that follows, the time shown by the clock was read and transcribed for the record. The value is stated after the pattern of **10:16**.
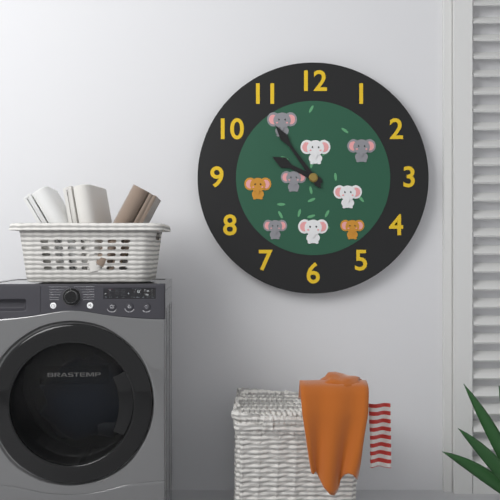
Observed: **9:54**
